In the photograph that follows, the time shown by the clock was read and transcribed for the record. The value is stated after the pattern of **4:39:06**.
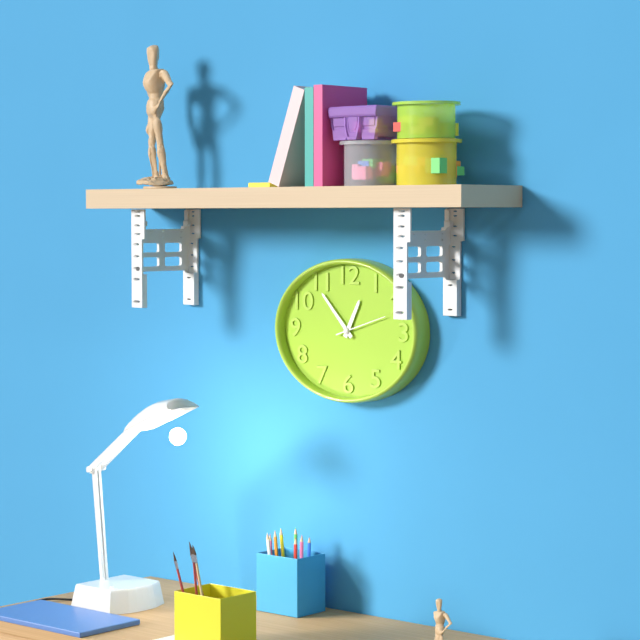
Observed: **12:53:12**
